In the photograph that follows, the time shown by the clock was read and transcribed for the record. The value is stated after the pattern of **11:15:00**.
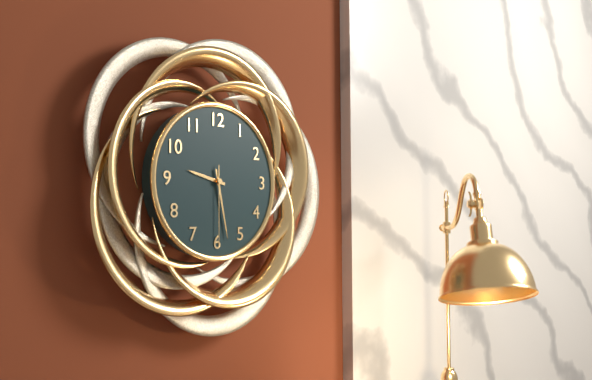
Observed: **9:28:30**
